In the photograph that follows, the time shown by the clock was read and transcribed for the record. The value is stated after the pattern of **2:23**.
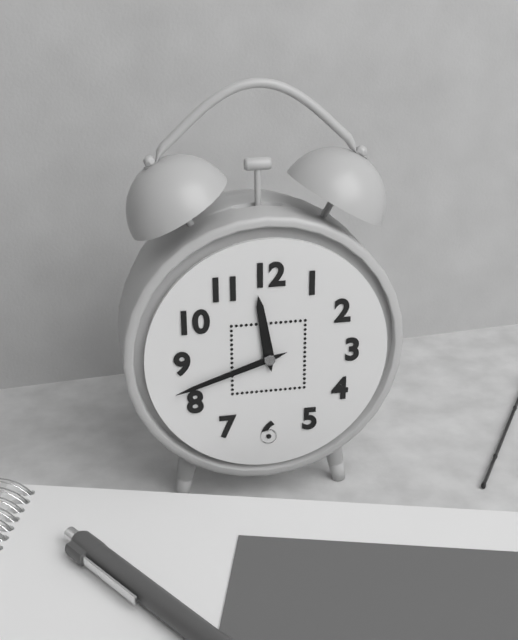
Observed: **11:42**
